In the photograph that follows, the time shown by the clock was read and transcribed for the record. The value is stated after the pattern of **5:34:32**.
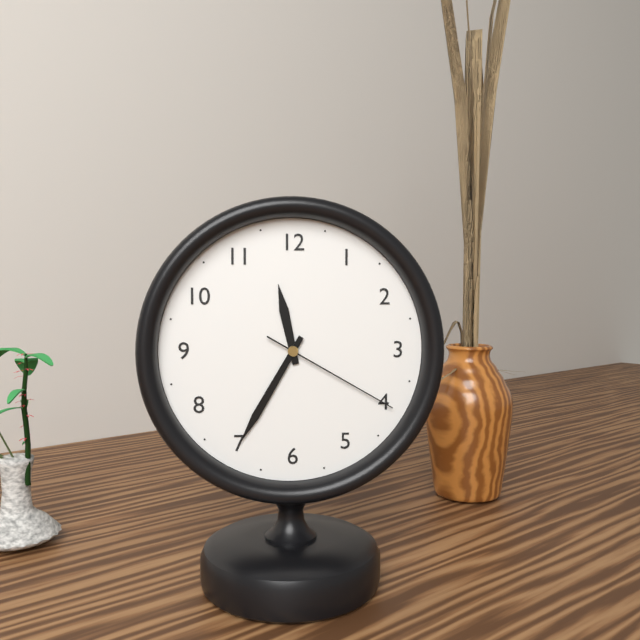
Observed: **11:35:20**
